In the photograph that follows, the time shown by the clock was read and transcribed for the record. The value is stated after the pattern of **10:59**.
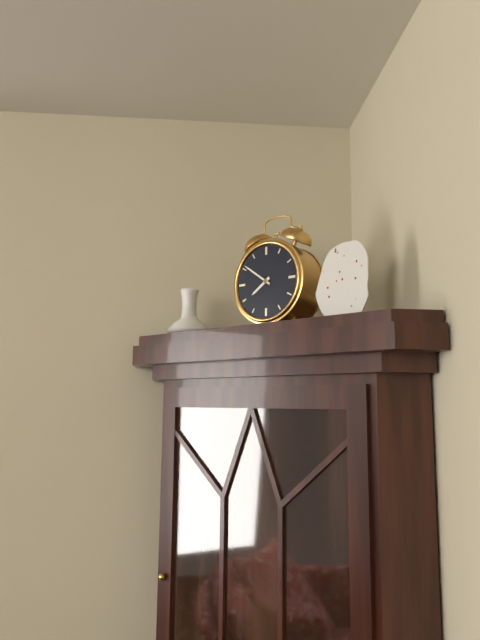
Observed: **7:51**
